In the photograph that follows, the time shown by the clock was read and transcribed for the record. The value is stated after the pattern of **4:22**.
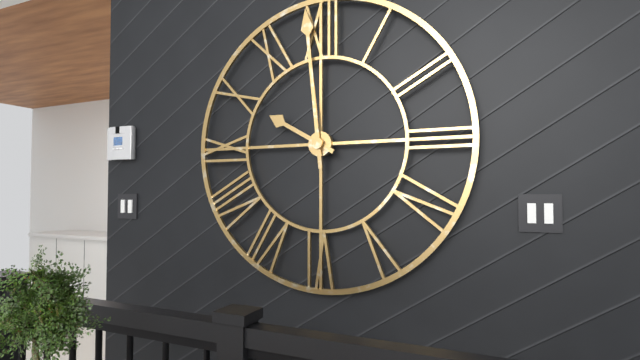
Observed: **9:59**
